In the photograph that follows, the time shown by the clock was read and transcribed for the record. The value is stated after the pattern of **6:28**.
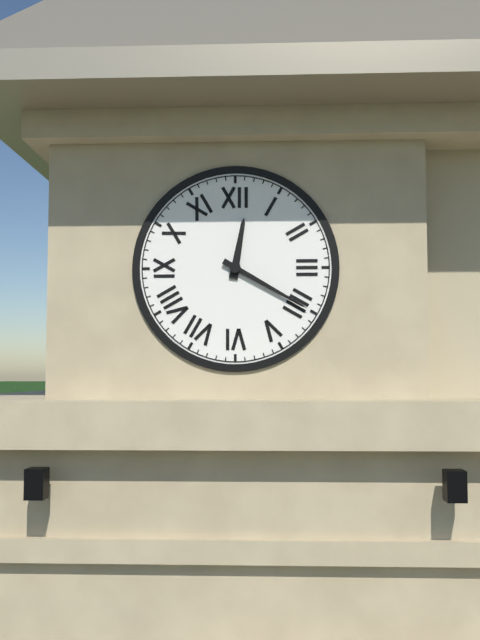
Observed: **12:20**
